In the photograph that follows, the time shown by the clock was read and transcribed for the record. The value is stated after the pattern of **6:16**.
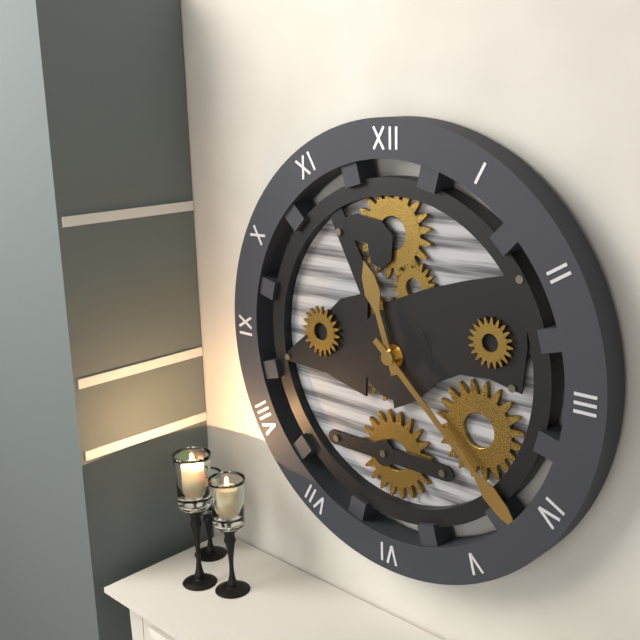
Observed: **11:22**
